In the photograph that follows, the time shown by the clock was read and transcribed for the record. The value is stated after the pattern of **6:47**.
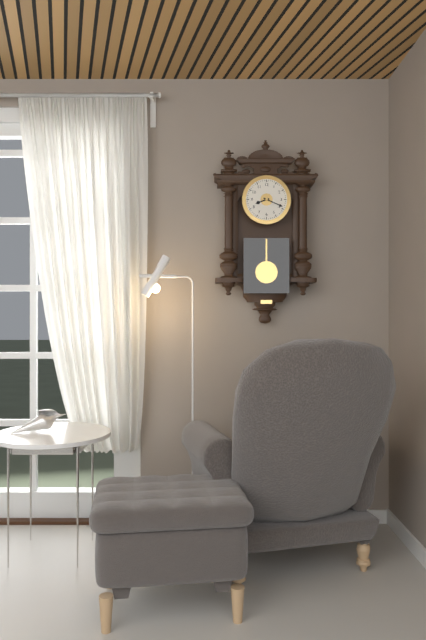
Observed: **8:19**
